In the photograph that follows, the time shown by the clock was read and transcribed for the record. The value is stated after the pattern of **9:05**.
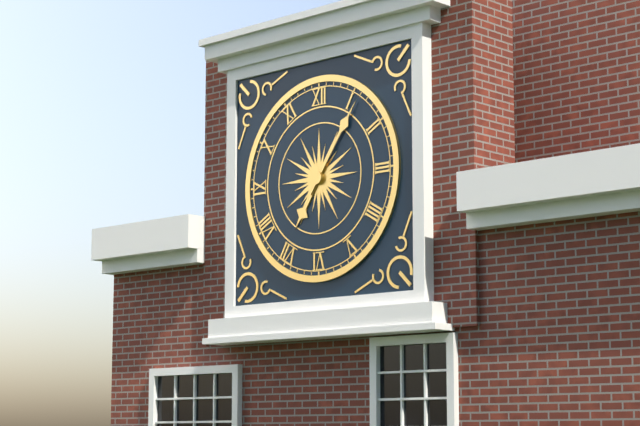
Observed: **7:06**
